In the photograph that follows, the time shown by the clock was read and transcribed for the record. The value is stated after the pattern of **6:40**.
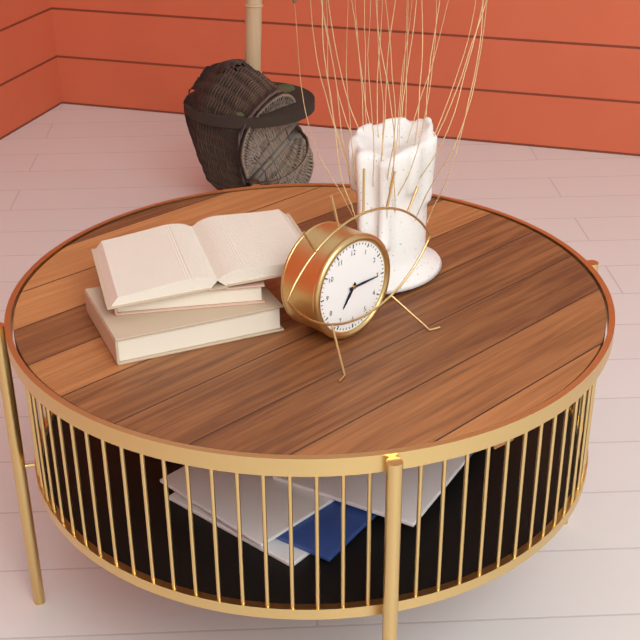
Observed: **7:15**
